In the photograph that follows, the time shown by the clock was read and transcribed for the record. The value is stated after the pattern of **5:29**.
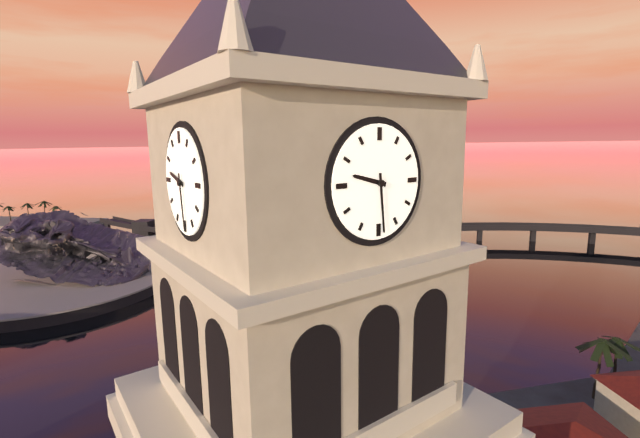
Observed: **9:29**
